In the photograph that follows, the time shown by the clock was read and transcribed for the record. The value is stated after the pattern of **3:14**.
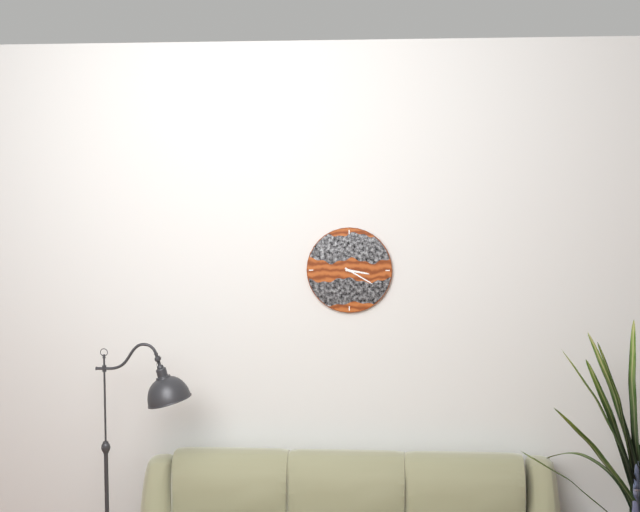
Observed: **3:20**
